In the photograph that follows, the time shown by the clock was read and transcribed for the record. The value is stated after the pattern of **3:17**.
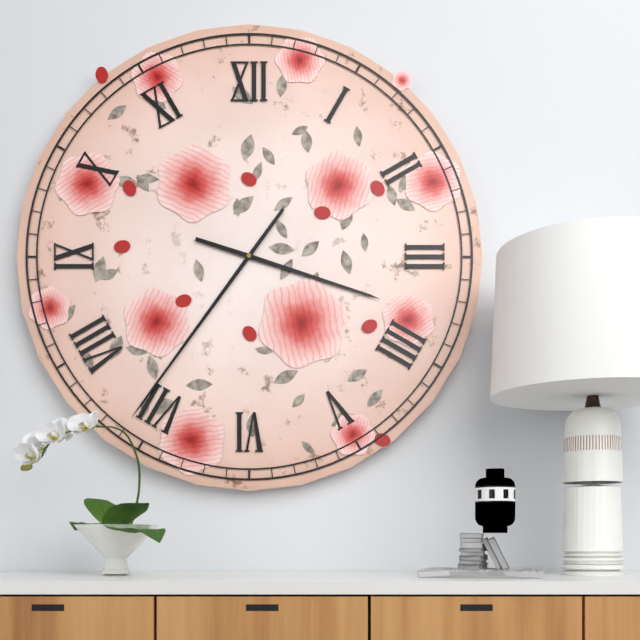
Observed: **3:36**
